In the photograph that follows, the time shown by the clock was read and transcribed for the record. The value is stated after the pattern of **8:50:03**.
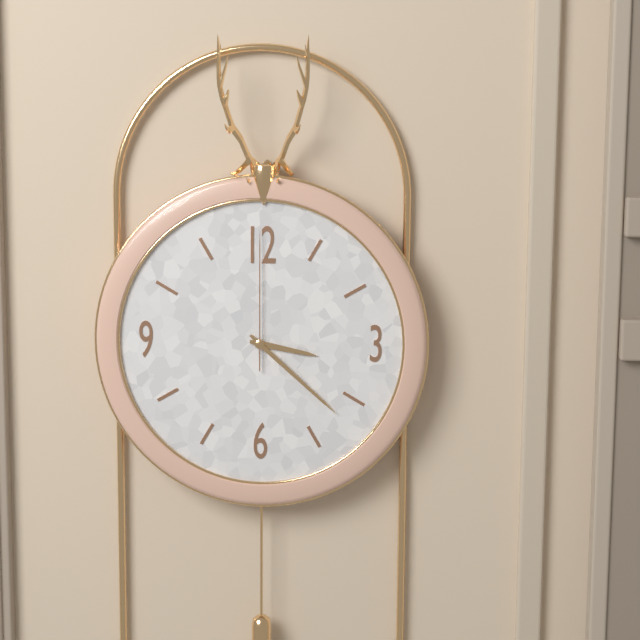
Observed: **3:22:00**
